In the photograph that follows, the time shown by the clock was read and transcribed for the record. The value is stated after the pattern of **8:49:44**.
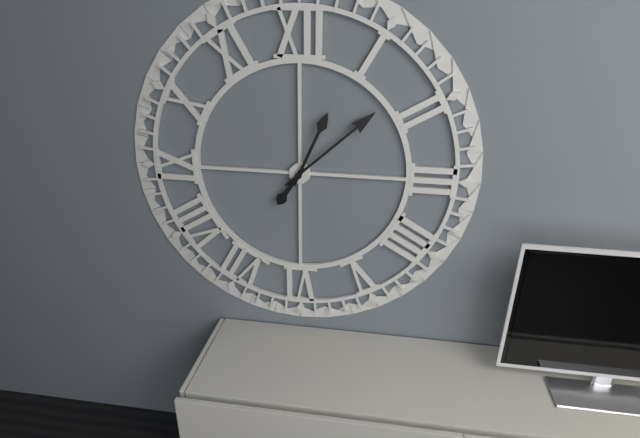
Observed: **7:08:04**
